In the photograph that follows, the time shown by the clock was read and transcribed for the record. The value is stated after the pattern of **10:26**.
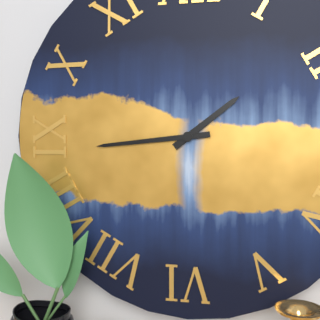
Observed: **1:44**
